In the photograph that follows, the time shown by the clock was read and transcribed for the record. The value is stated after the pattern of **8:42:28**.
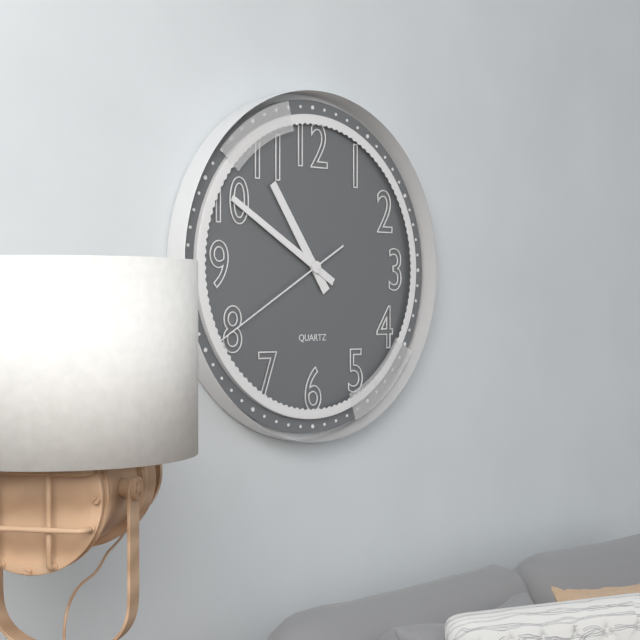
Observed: **10:50:40**
